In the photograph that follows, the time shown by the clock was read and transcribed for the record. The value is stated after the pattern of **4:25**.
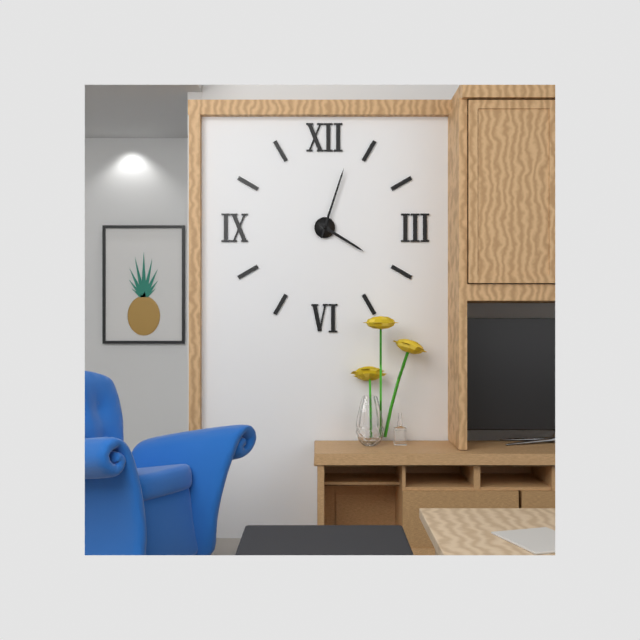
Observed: **4:03**
